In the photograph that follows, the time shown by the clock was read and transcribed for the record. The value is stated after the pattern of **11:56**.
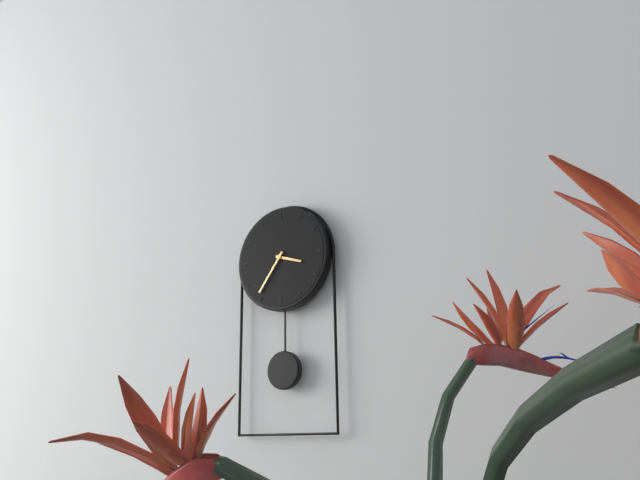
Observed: **3:36**
